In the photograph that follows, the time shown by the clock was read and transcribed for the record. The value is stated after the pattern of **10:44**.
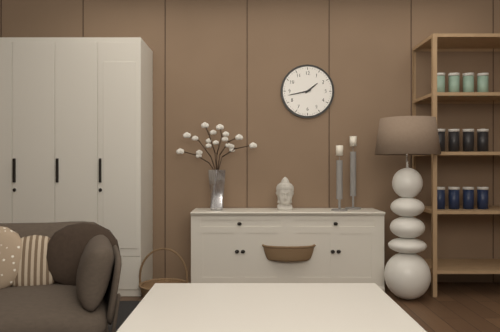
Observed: **1:43**
